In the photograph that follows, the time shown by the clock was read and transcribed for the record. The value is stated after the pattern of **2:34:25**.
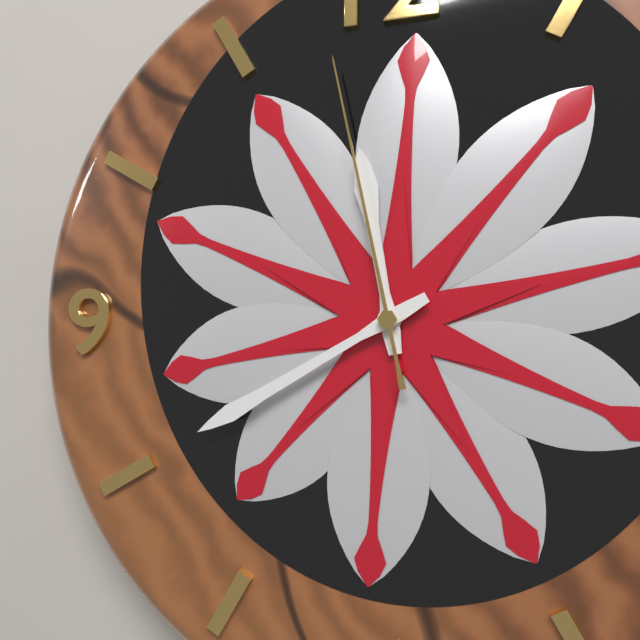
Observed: **11:40:58**
